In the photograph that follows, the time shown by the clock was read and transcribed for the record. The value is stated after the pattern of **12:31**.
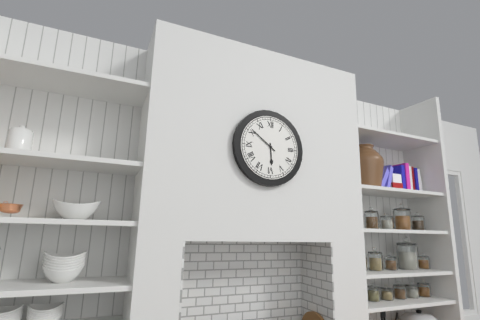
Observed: **5:51**
